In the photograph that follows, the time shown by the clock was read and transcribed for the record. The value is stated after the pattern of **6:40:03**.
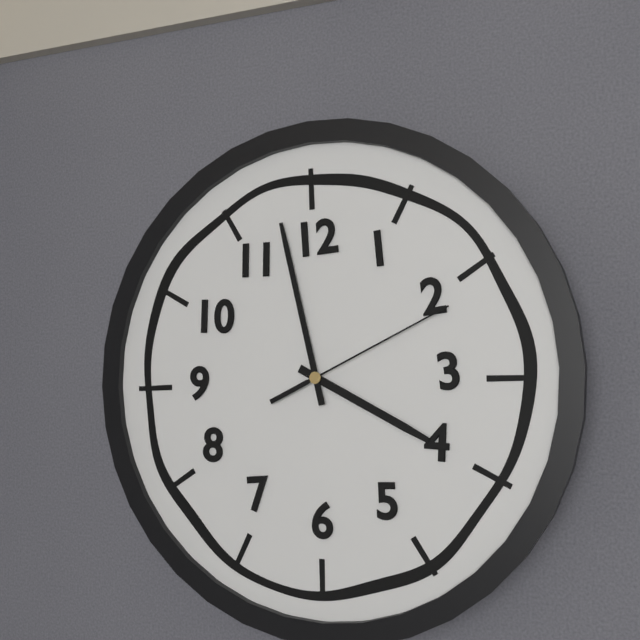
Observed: **3:58:11**
